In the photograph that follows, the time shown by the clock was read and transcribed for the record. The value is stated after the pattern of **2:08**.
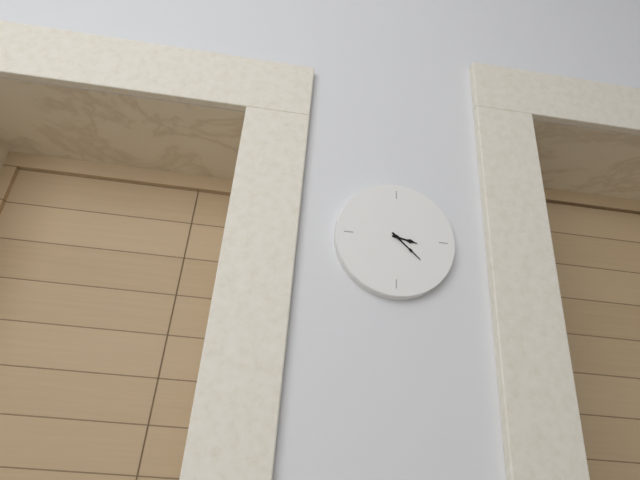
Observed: **3:22**
